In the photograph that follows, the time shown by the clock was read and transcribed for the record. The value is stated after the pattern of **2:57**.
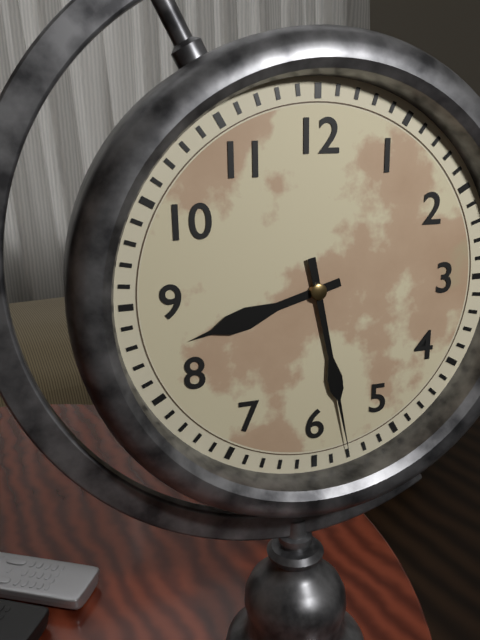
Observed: **8:28**
